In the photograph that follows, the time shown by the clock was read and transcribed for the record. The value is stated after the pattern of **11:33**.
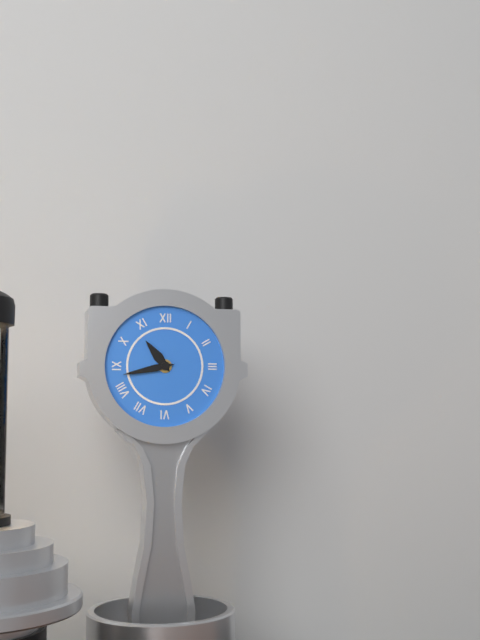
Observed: **10:43**
